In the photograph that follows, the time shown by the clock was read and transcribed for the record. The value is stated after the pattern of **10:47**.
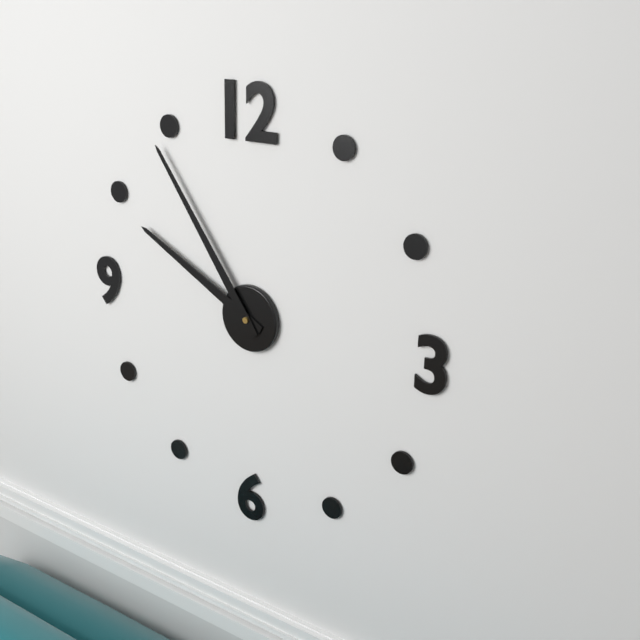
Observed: **9:54**
